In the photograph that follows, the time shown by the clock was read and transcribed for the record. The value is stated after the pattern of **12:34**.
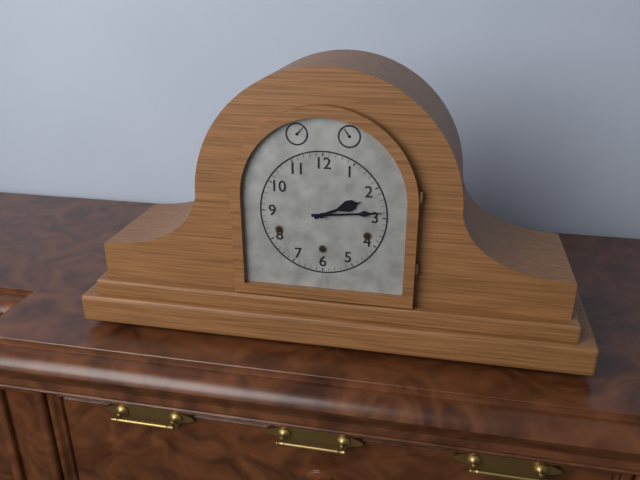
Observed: **2:14**
